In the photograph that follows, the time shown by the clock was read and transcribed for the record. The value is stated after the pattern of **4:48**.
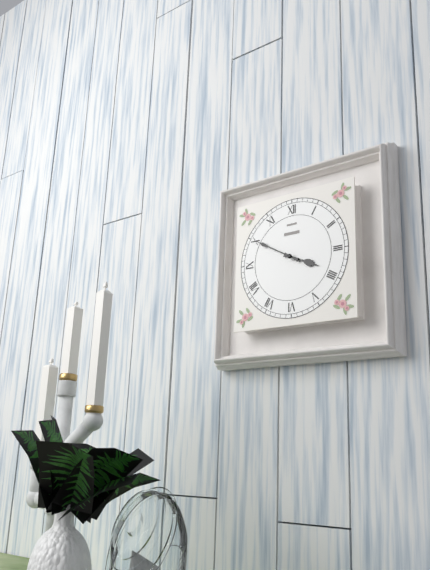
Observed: **3:50**
